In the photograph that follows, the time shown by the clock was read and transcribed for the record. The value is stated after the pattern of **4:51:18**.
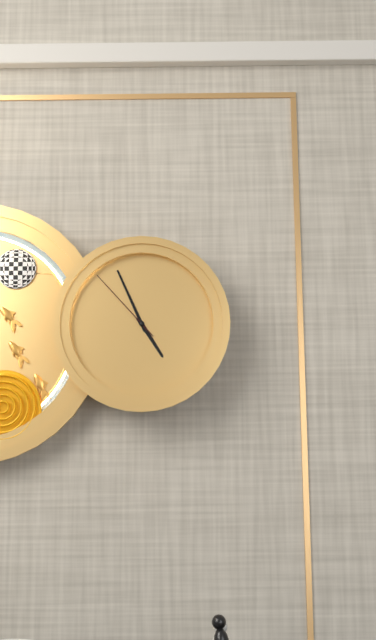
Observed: **4:56:53**
